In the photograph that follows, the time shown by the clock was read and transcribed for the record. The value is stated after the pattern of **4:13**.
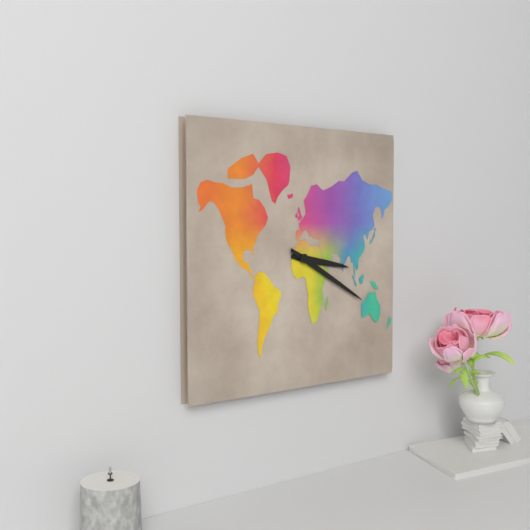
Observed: **3:20**
